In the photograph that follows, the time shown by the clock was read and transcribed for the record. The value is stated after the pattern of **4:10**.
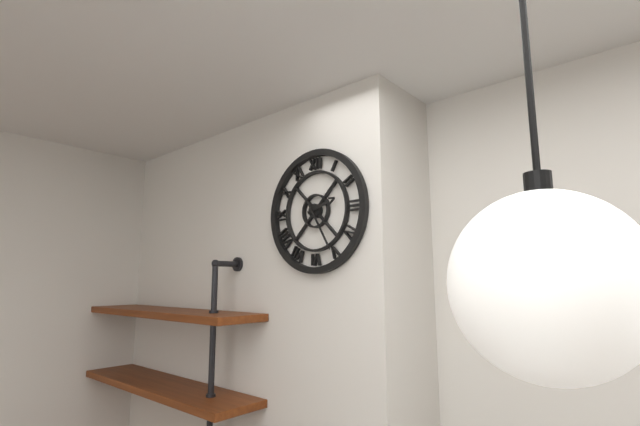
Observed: **2:25**
